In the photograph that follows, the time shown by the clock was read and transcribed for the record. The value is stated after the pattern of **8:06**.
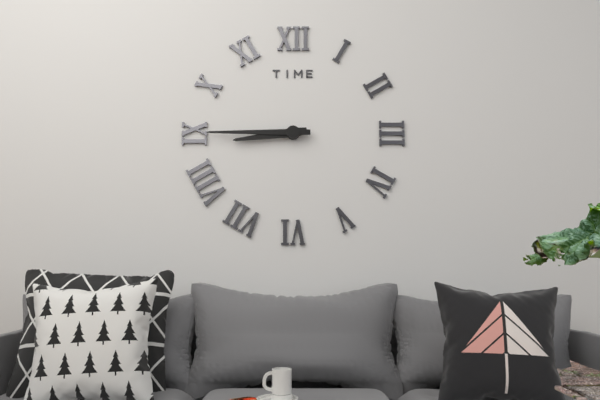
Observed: **8:45**
